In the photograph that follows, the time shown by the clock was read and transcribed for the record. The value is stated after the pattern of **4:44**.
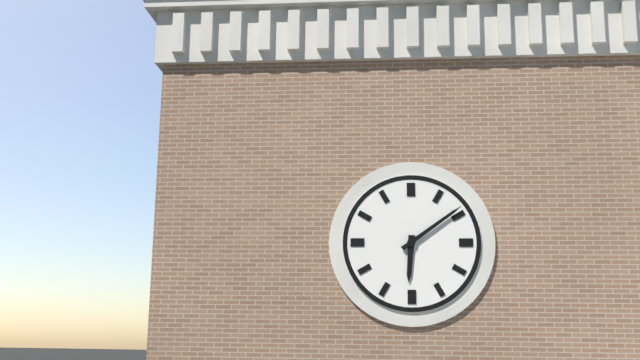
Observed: **6:09**
